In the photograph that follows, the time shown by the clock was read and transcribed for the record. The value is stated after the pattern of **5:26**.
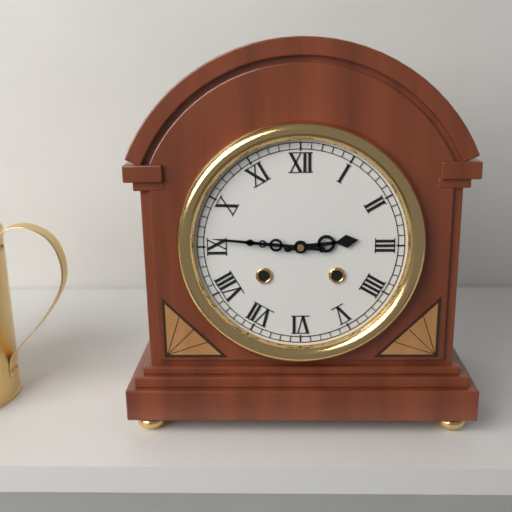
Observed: **2:46**
